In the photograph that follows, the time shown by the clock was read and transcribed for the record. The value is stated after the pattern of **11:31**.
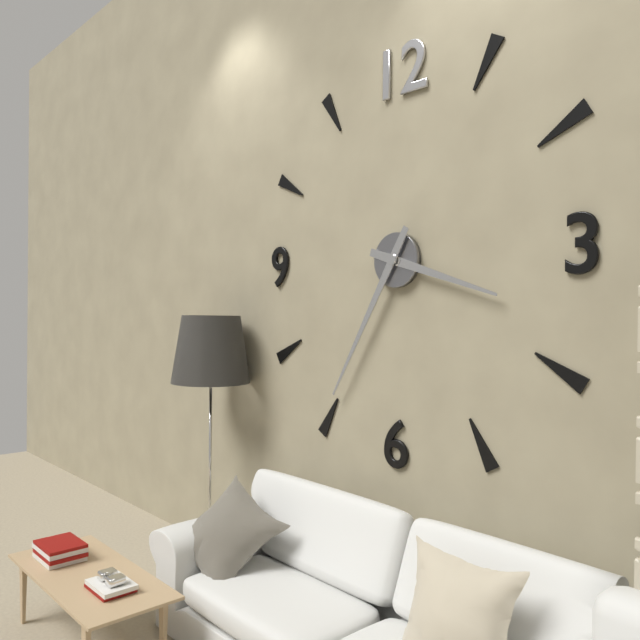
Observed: **3:35**
